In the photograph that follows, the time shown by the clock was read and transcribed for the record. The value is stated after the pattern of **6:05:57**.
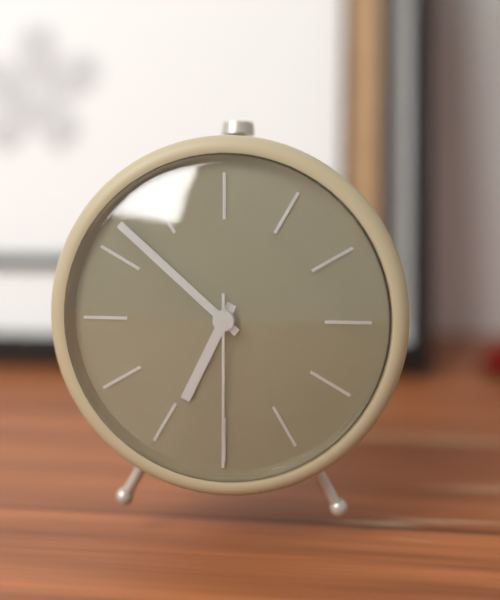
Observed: **6:52:30**
